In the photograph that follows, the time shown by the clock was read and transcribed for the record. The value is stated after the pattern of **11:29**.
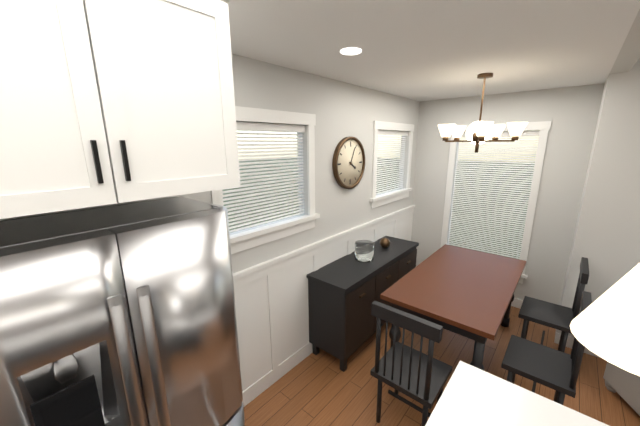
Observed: **4:04**
